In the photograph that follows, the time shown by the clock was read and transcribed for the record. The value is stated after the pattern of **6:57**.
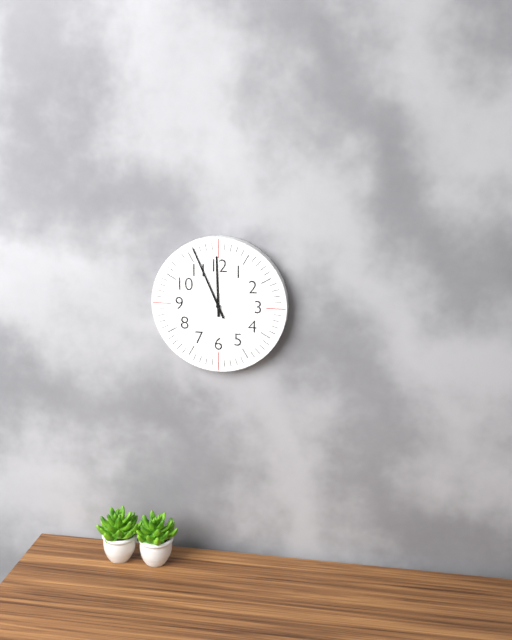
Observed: **11:56**
